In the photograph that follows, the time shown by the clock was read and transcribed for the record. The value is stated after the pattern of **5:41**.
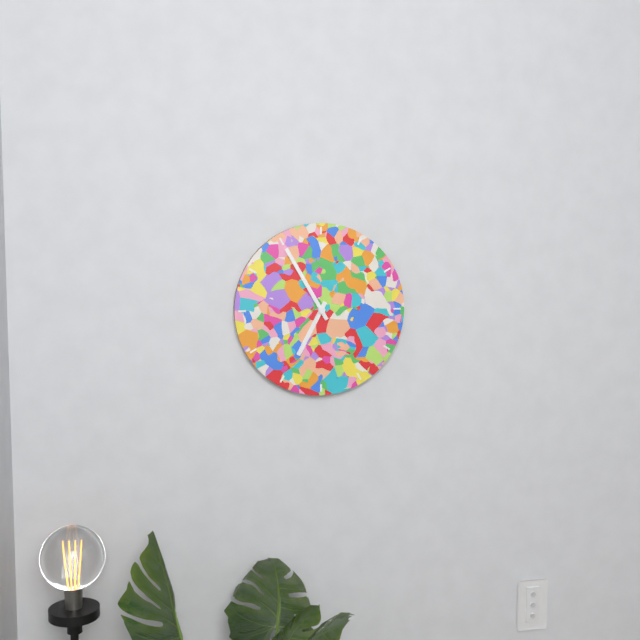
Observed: **6:55**
